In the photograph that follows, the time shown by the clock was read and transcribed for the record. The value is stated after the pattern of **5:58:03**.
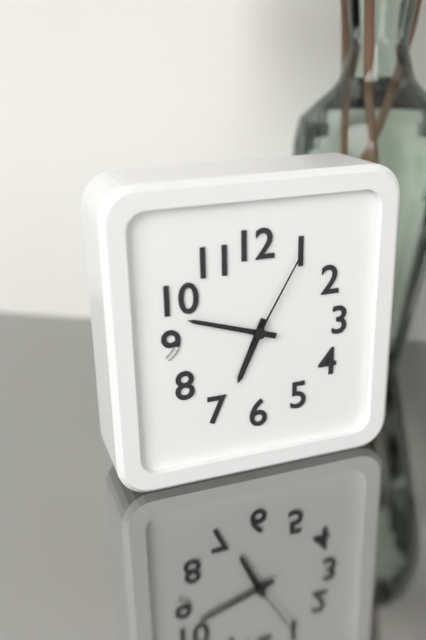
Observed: **6:48:05**
